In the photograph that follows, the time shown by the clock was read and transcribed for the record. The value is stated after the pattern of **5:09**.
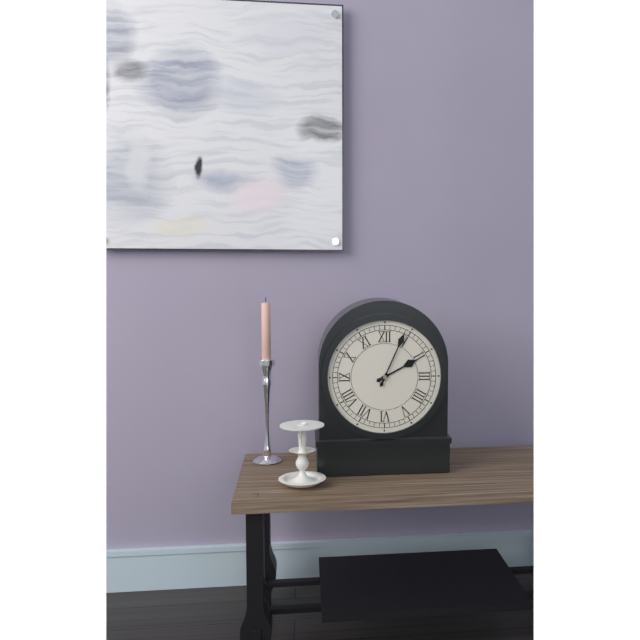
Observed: **2:04**
